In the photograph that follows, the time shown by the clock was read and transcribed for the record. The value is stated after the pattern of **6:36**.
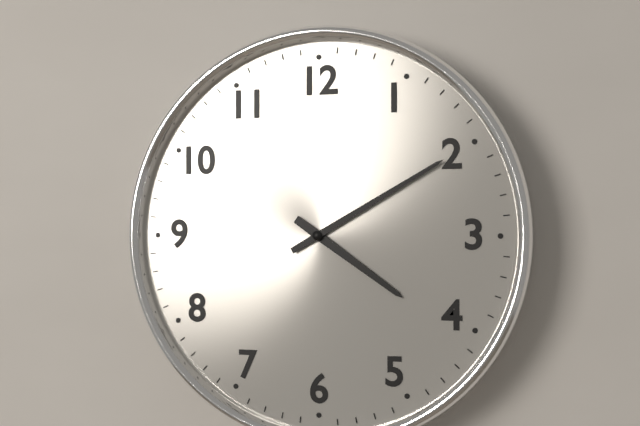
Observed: **4:10**
